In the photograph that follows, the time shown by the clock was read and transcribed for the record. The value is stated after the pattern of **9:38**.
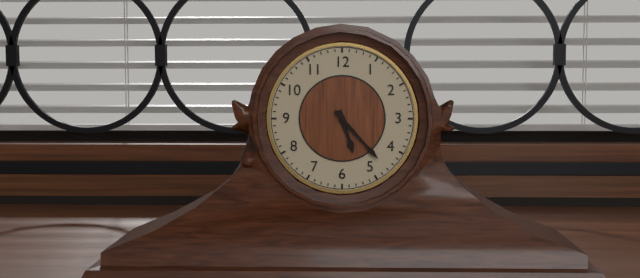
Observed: **5:23**
